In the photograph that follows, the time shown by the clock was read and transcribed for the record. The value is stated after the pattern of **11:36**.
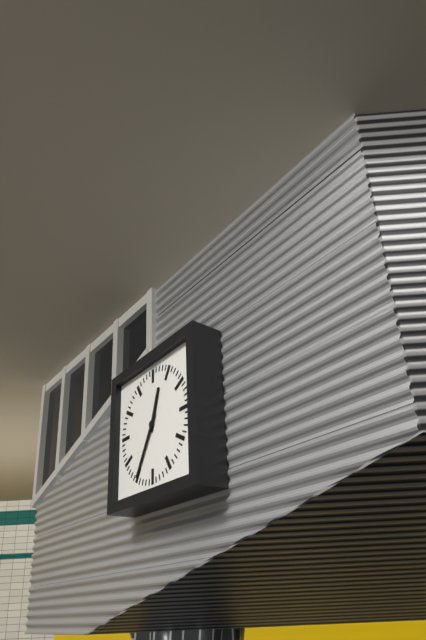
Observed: **12:35**
